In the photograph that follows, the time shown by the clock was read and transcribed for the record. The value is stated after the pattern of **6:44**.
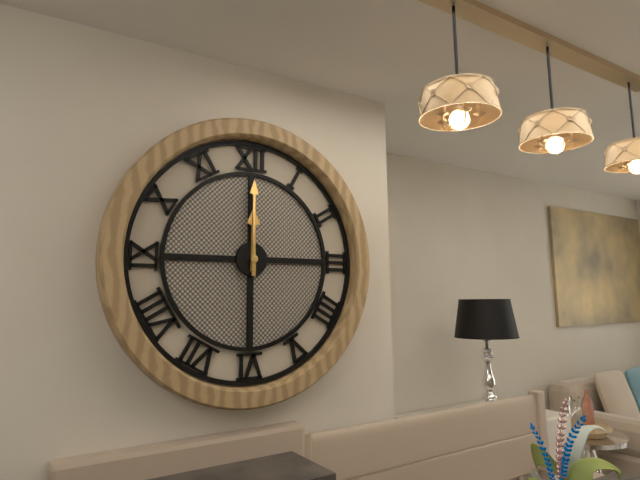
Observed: **12:00**
